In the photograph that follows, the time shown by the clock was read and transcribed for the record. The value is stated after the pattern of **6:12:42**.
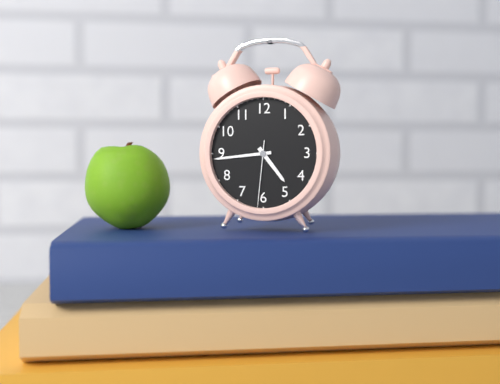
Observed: **4:44:31**
